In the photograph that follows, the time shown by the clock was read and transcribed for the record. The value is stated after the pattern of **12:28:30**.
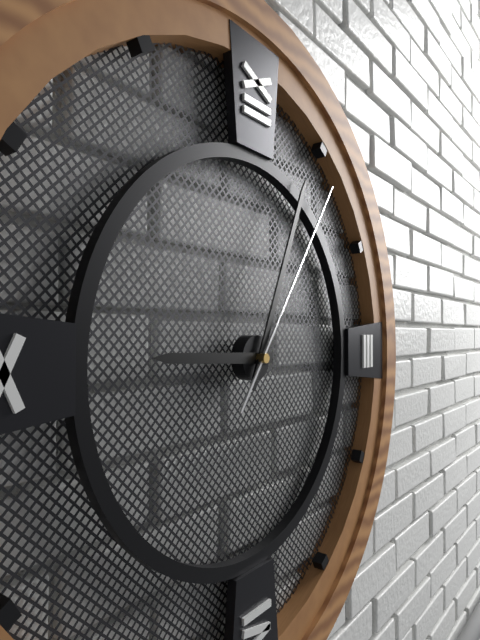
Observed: **9:04:06**
